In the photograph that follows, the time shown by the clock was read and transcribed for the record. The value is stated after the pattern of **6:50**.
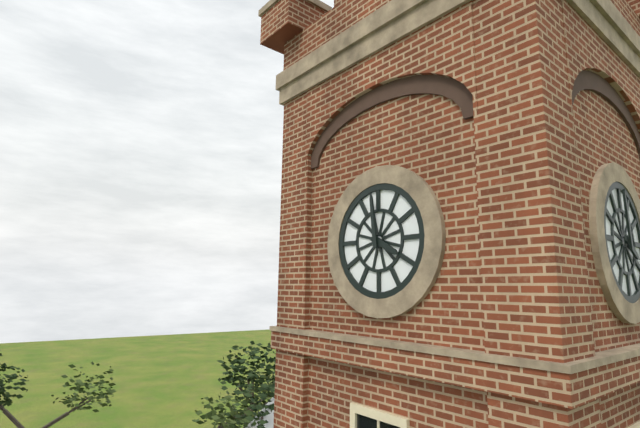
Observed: **3:59**
